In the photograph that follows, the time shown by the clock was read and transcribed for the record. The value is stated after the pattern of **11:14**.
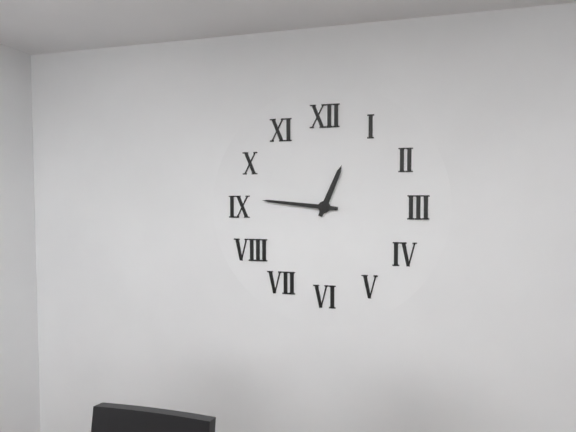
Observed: **12:46**
